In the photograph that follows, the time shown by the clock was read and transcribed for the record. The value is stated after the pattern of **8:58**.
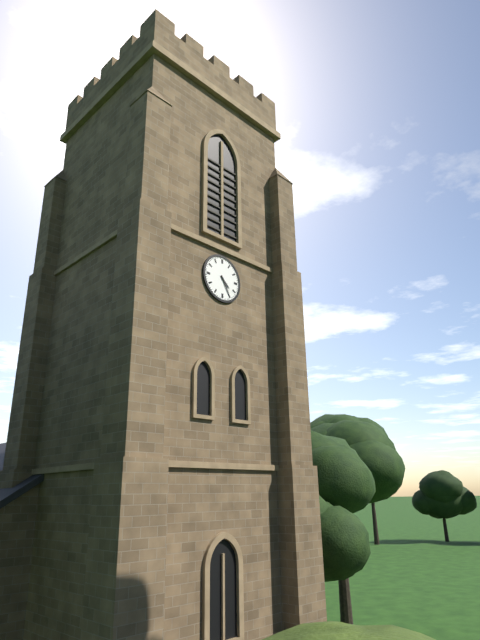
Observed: **4:25**
